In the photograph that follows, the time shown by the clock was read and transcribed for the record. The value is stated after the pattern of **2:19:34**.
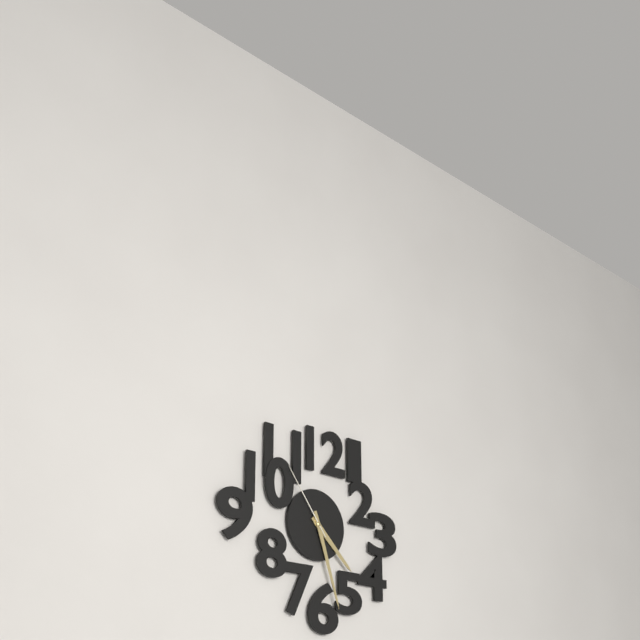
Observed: **4:27:54**
